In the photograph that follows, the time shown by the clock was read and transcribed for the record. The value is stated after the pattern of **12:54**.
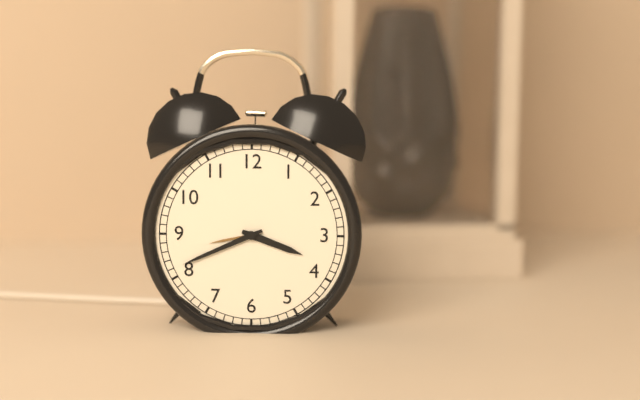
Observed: **3:41**
